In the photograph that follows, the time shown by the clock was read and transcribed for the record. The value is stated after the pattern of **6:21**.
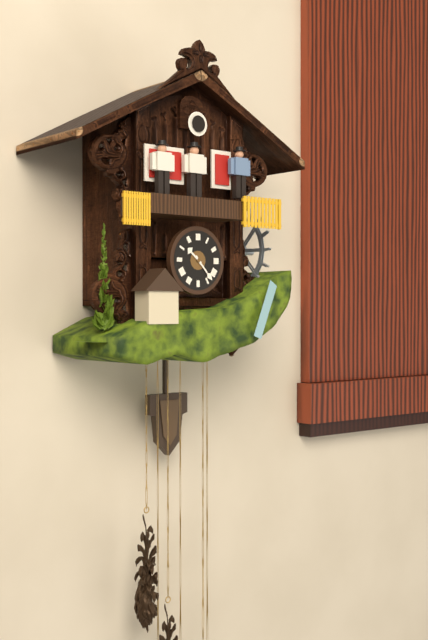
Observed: **10:23**
